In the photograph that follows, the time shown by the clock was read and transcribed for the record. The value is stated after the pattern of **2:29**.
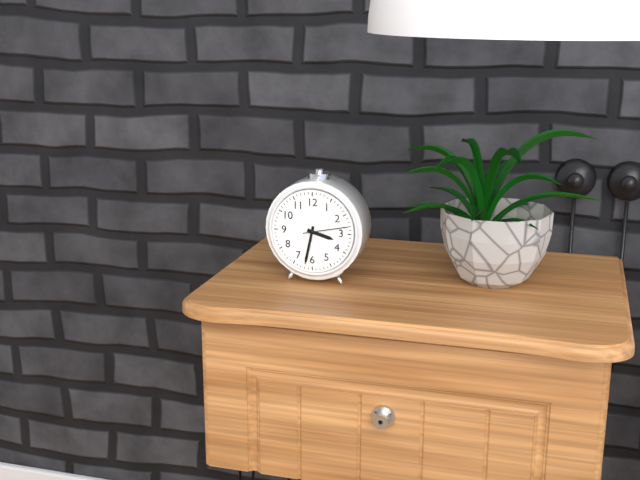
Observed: **3:32**
